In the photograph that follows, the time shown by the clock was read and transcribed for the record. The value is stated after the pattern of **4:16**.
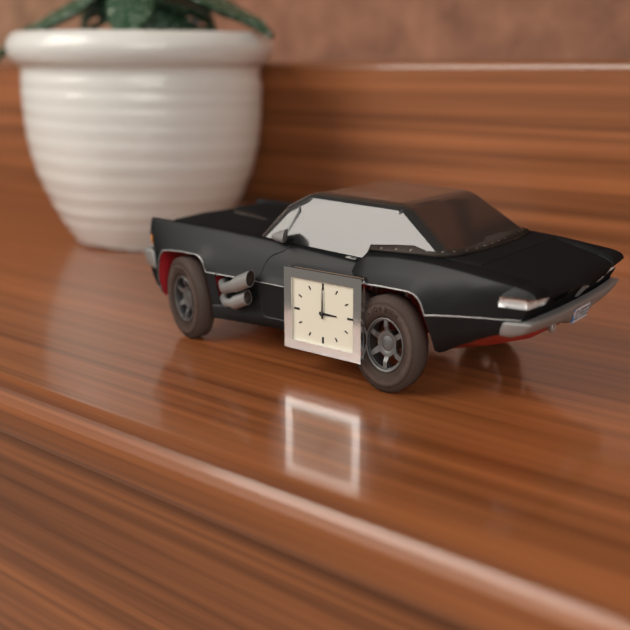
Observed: **3:00**
